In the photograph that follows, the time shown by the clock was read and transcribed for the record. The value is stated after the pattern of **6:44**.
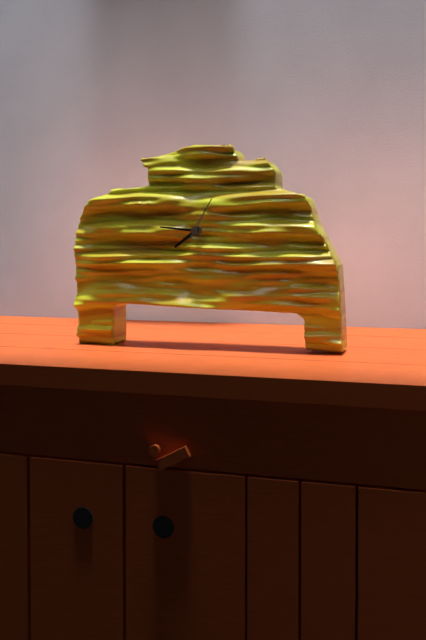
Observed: **7:46**
